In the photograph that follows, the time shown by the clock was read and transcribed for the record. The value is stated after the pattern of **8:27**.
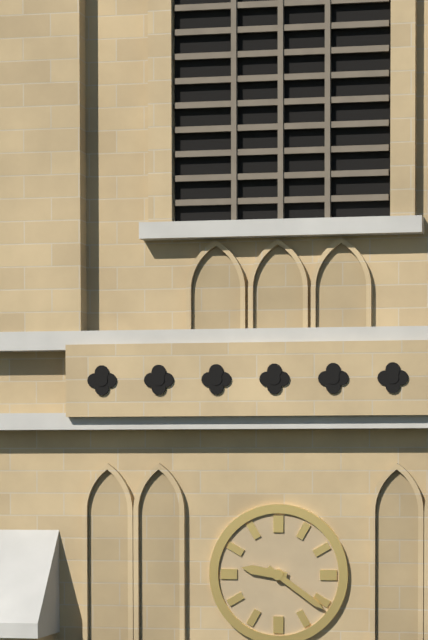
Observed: **9:21**
